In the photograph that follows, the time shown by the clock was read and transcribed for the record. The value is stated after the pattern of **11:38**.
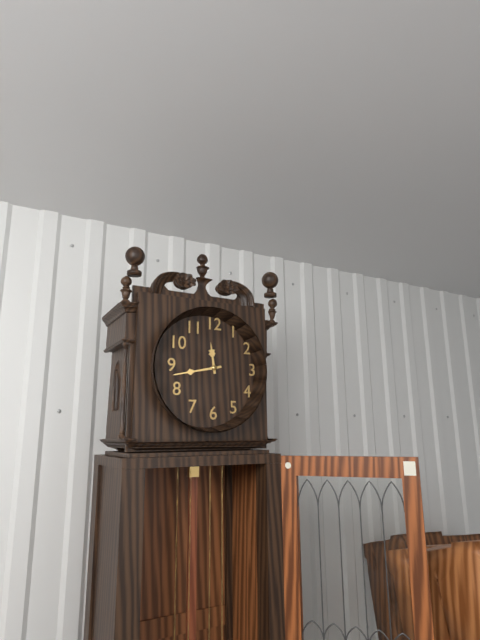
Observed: **11:43**
